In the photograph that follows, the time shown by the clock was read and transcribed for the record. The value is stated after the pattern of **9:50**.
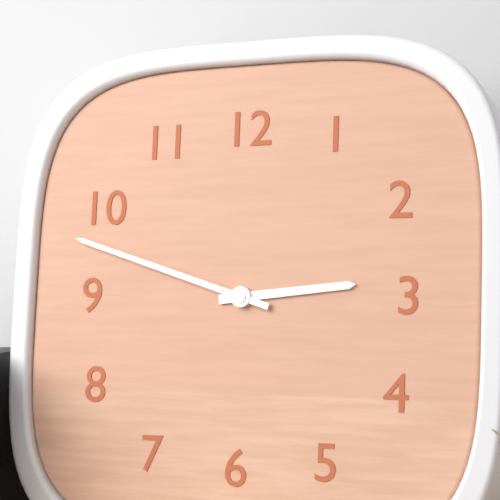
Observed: **2:48**
